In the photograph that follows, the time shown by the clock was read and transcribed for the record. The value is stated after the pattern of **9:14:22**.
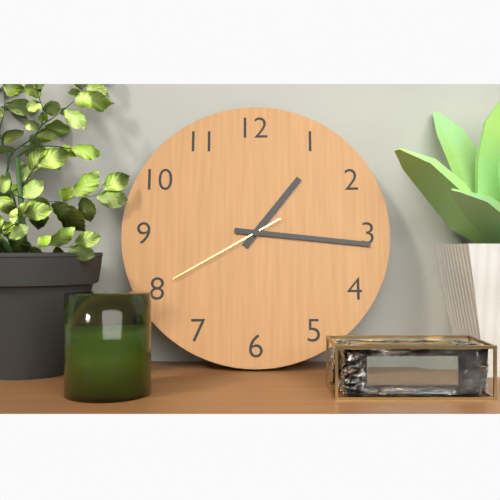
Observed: **1:16:40**
